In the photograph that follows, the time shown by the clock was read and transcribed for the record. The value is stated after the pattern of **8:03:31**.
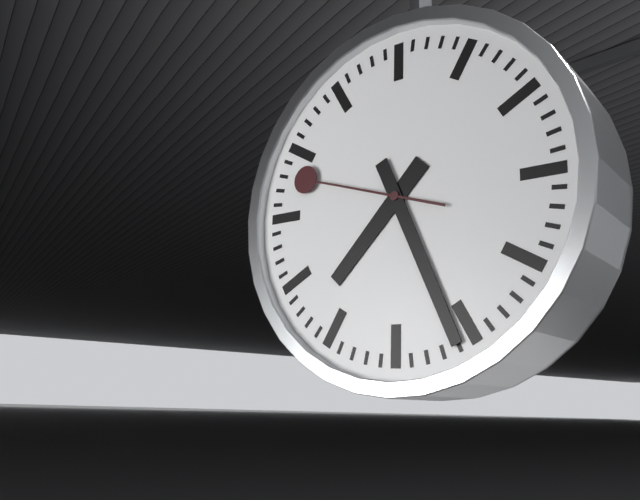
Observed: **7:26:48**
